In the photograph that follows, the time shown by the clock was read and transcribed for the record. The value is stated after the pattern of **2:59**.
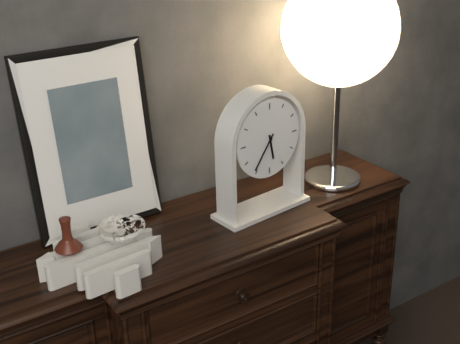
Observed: **5:36**
